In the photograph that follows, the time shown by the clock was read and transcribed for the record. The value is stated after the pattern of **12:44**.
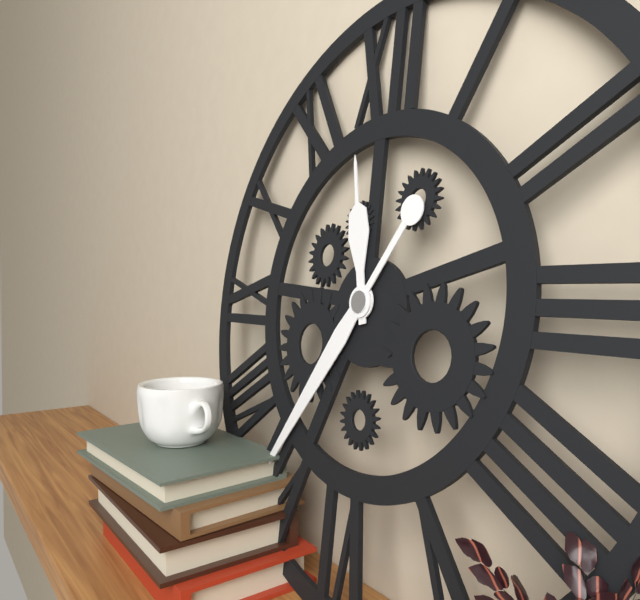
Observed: **11:36**
